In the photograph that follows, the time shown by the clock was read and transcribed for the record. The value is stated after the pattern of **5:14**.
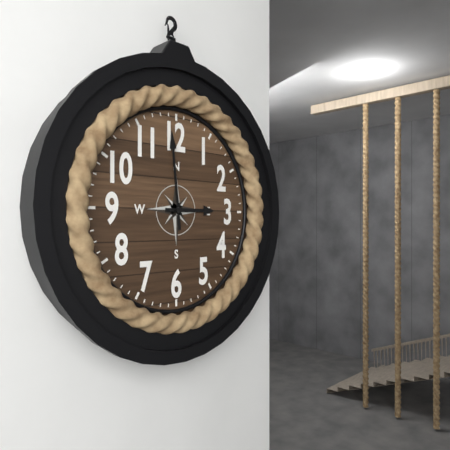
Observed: **2:59**
